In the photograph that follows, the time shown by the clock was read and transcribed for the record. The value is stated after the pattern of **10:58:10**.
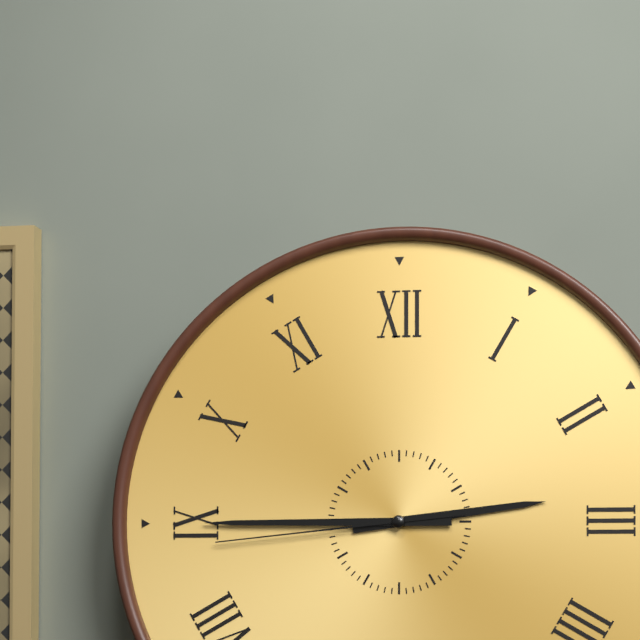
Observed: **2:45:44**
